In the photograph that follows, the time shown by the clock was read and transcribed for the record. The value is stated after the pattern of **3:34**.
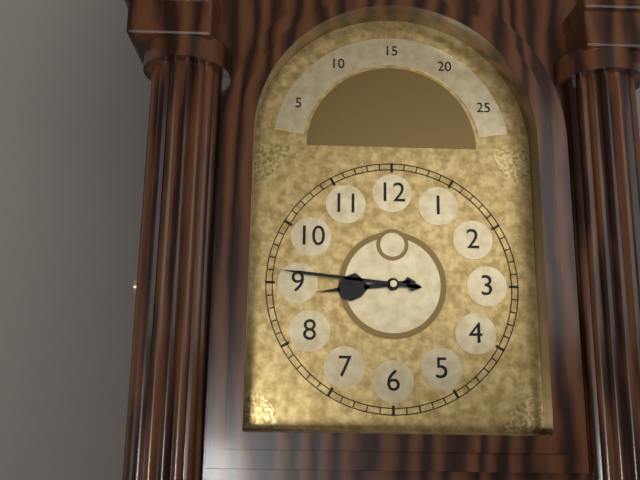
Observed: **8:46**
